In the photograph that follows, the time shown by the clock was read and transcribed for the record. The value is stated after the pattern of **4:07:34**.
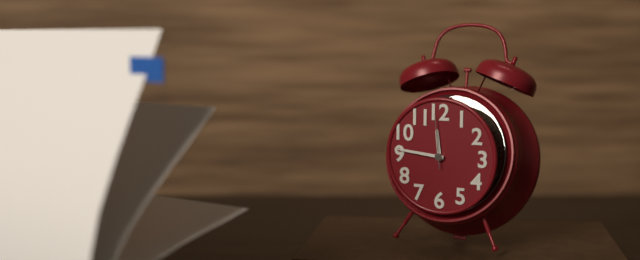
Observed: **11:46:59**
